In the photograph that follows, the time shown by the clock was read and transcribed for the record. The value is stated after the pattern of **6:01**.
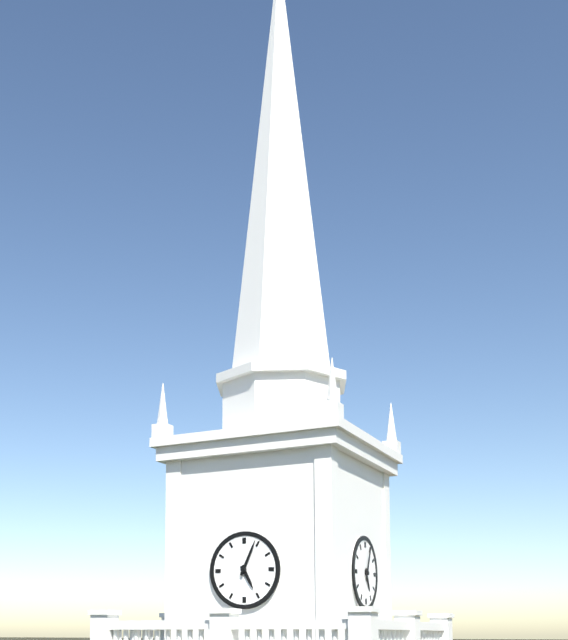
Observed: **5:04**
